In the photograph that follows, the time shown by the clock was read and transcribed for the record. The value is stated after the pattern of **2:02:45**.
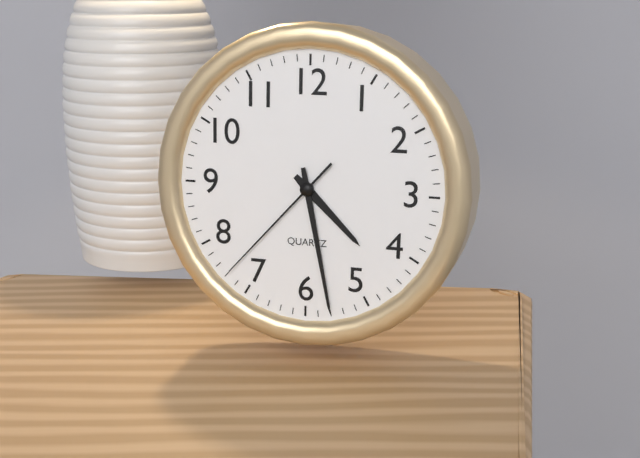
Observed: **4:28:37**
